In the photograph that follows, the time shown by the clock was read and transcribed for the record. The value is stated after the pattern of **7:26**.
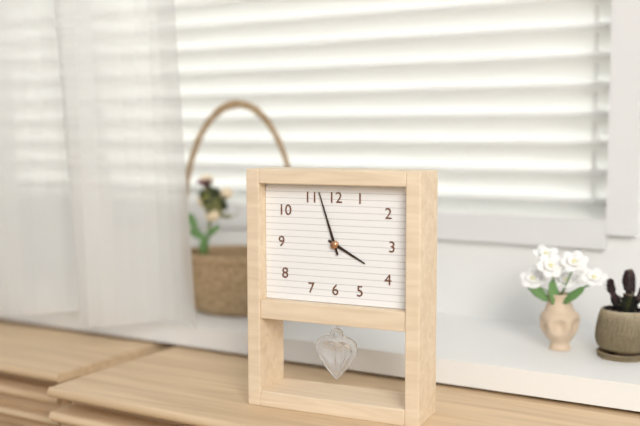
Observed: **3:57**
